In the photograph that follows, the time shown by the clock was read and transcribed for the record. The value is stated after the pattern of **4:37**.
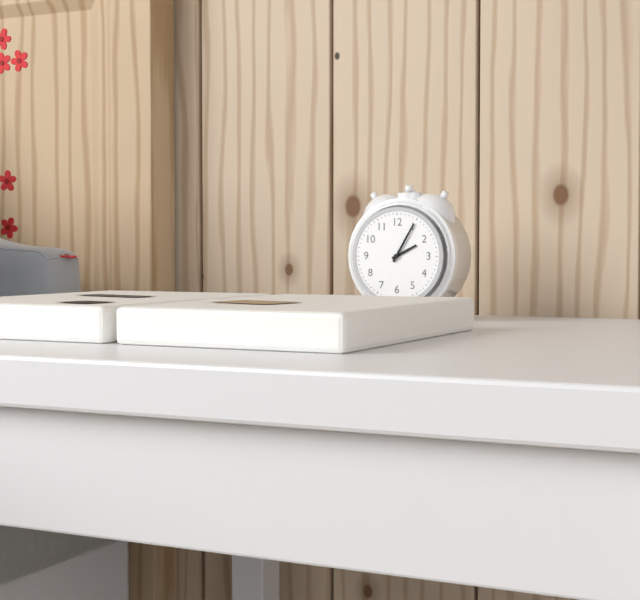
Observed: **2:05**
